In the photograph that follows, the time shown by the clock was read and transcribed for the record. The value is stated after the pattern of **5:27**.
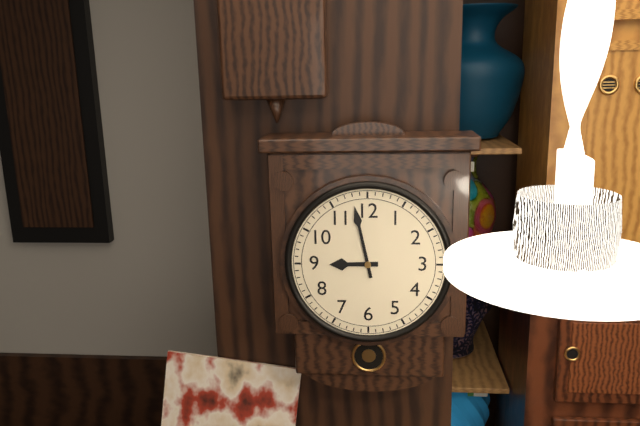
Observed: **8:58**
